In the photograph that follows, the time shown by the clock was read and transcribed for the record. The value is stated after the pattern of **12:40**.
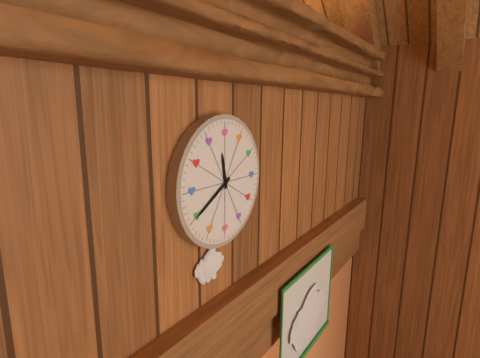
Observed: **11:40**
